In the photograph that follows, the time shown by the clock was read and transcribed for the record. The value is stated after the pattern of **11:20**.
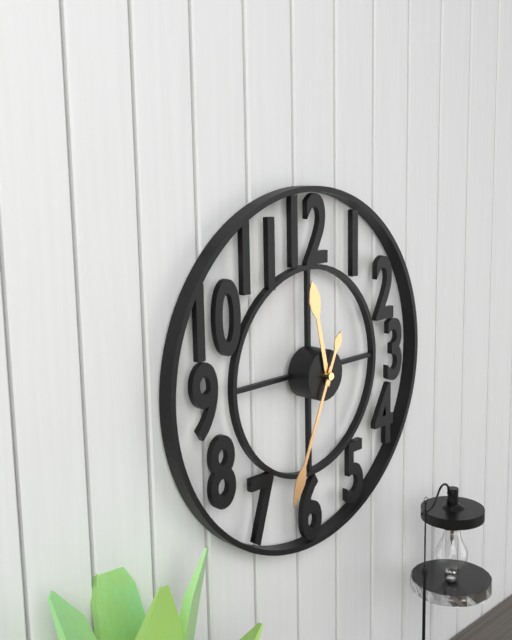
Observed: **11:34**
